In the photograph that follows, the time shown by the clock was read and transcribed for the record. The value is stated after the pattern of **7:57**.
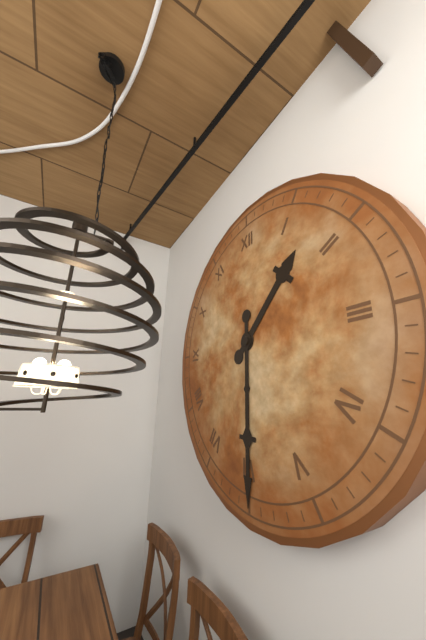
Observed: **1:30**
